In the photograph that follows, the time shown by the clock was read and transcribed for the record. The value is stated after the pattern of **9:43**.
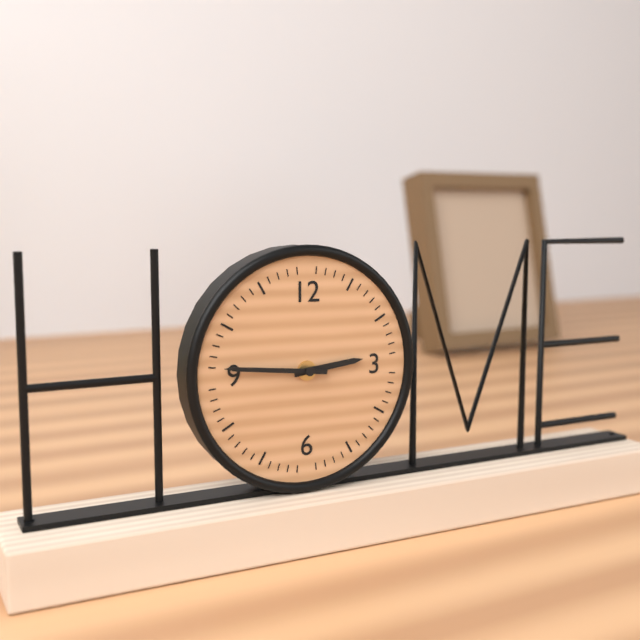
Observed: **2:46**
